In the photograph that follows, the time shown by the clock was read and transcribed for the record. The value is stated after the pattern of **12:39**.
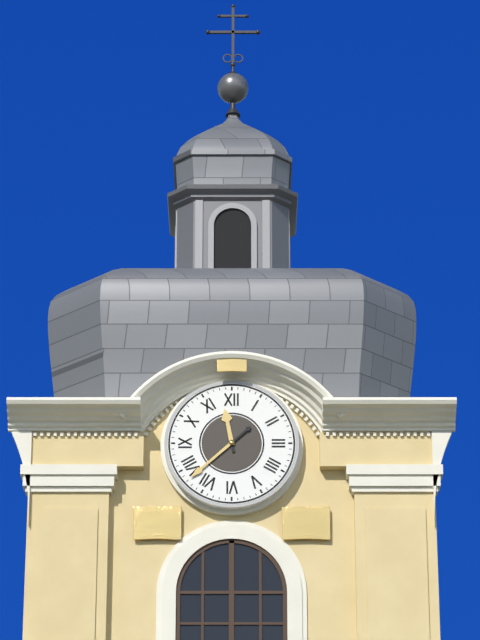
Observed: **11:38**
